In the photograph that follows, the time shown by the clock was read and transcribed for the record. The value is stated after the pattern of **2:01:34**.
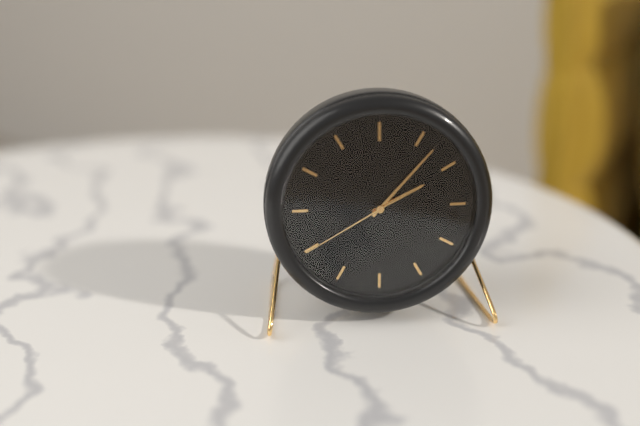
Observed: **2:07:40**
